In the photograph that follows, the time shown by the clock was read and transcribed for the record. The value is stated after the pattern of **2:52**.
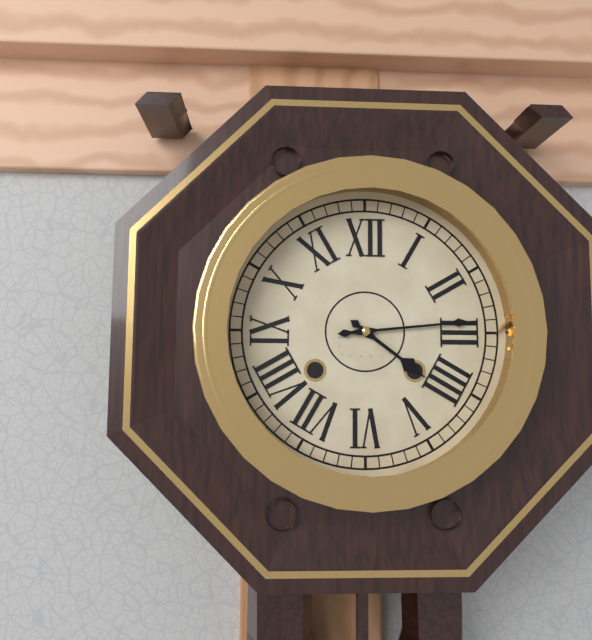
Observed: **4:14**
